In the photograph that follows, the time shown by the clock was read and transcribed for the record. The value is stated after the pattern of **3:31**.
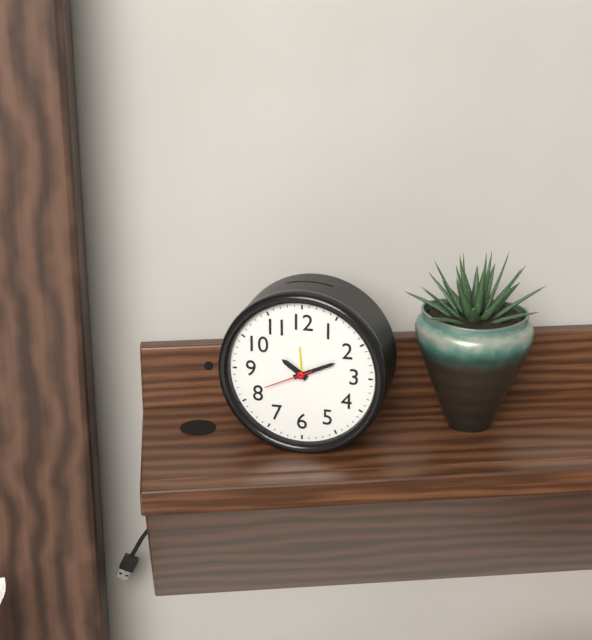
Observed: **10:11**
